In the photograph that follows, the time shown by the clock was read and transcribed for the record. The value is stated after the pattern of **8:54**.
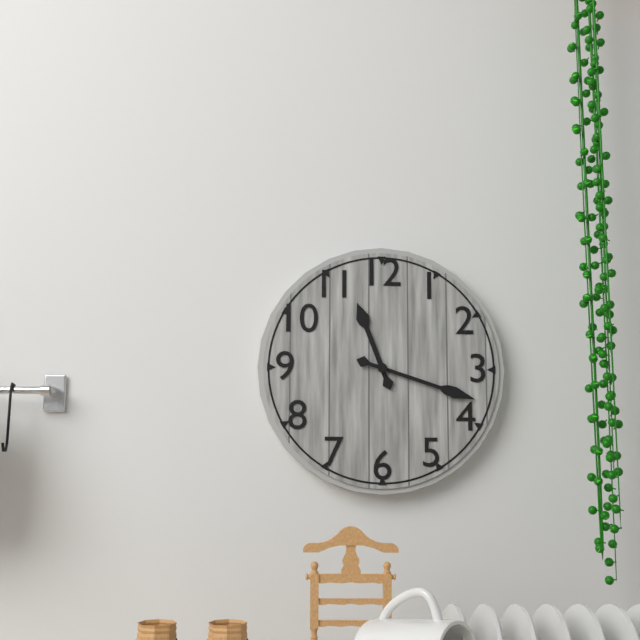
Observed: **11:18**
